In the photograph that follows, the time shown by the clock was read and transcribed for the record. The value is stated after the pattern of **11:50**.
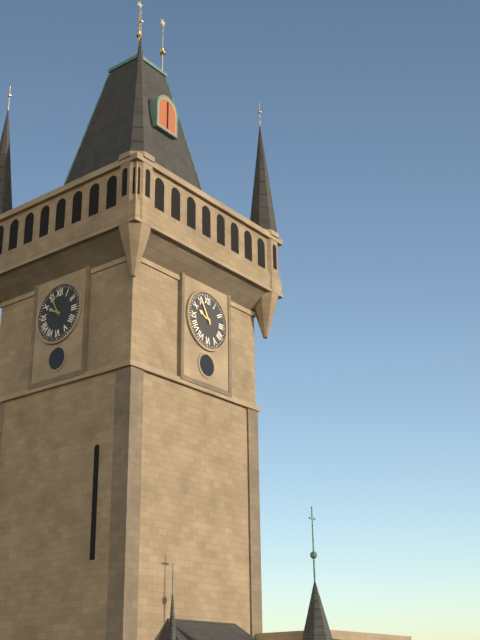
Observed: **9:55**
